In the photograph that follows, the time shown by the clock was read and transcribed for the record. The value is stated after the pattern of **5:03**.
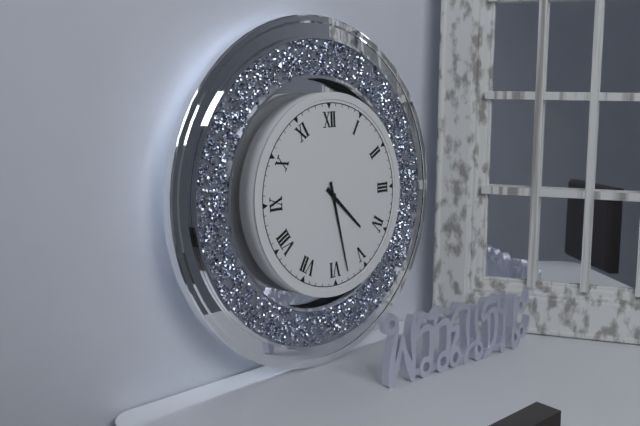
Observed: **4:28**
